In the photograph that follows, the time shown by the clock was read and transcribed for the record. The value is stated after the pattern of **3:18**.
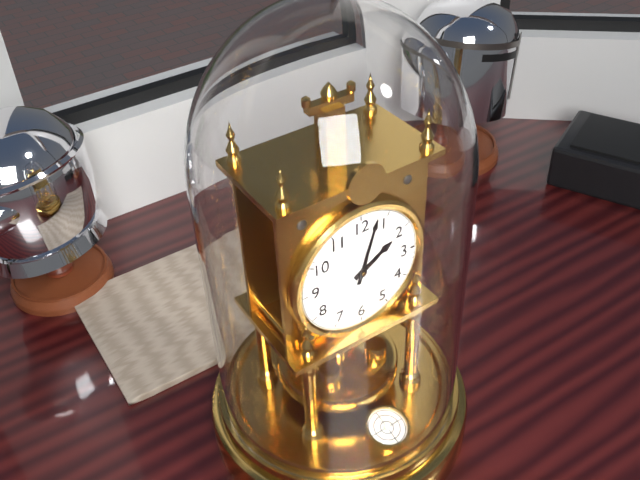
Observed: **2:03**
